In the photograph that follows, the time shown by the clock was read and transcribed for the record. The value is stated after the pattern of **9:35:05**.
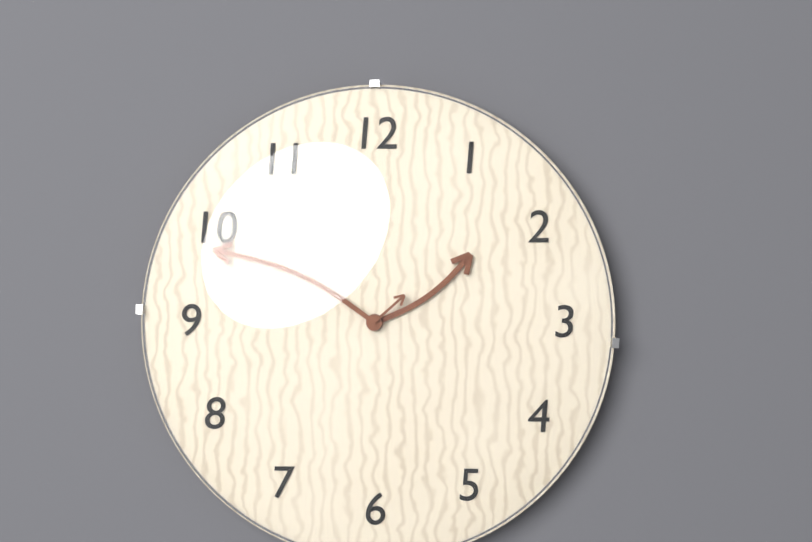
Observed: **1:49:08**
